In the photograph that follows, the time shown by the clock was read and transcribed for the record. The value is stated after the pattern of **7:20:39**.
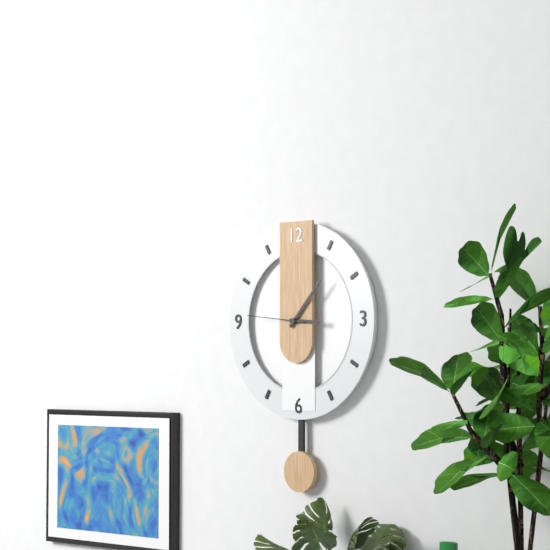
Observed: **3:07:46**
